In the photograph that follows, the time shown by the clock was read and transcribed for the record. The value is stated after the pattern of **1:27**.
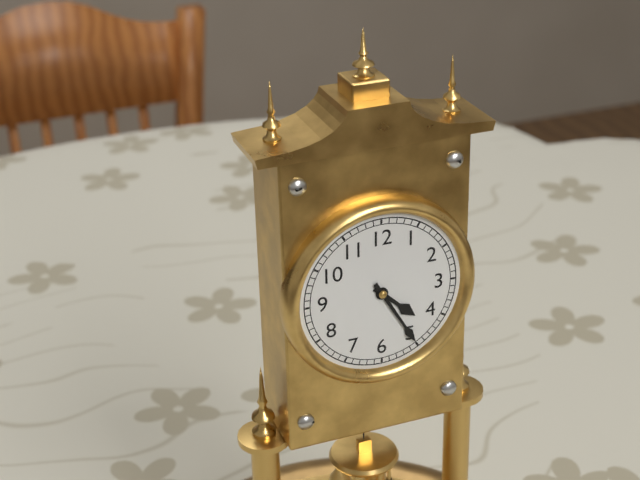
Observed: **4:25**
